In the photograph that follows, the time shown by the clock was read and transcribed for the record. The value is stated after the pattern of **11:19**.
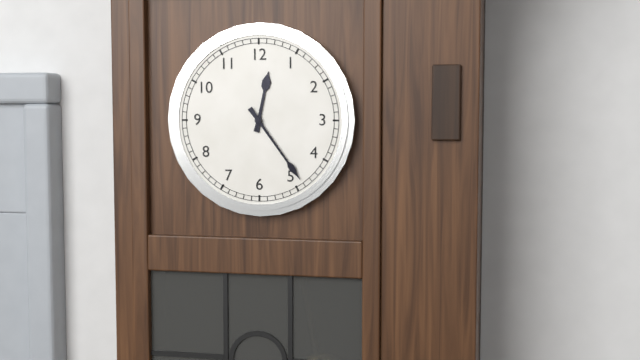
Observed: **12:24**
